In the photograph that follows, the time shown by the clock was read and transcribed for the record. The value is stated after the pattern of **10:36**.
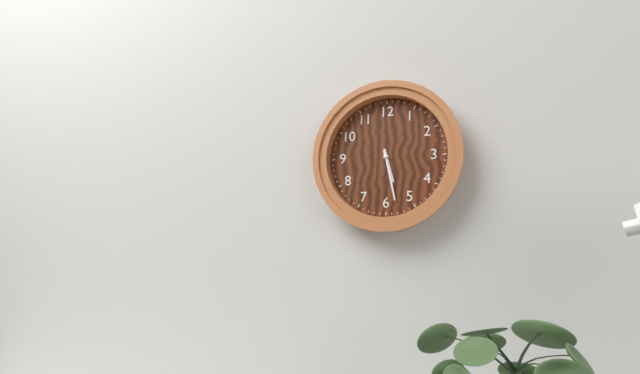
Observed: **5:28**
